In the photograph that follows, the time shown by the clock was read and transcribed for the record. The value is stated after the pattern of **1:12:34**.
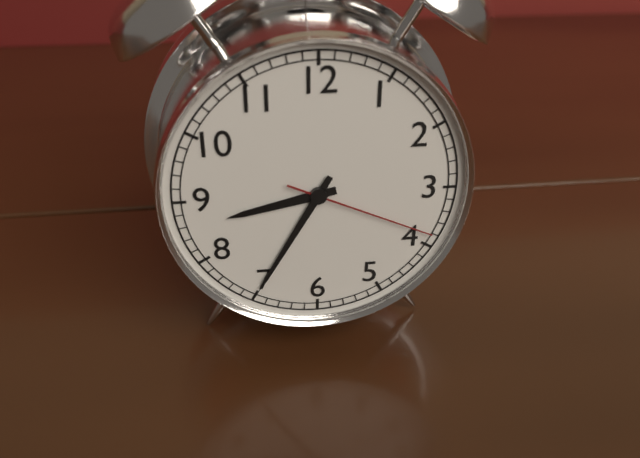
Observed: **8:35:19**
